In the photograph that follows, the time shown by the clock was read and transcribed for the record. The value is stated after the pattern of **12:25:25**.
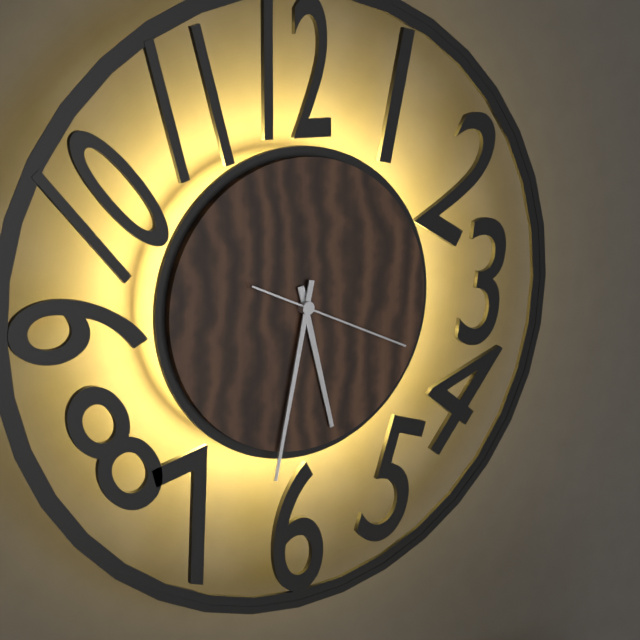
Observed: **5:32:19**
